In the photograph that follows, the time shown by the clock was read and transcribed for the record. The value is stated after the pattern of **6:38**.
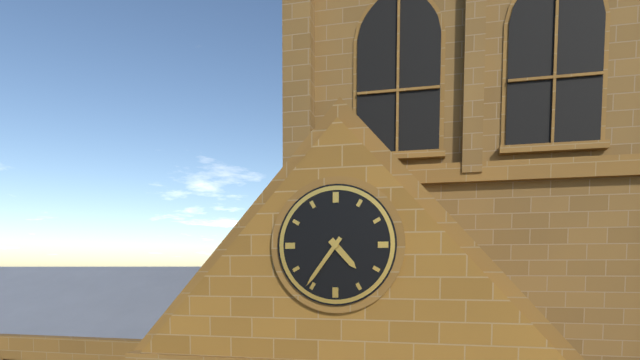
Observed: **4:36**
